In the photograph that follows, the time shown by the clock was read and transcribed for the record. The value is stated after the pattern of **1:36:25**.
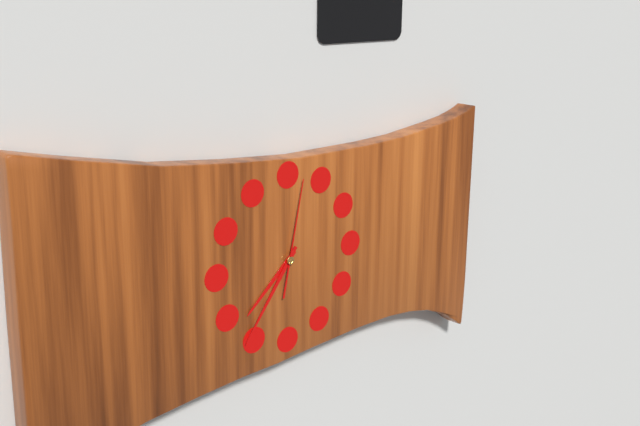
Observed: **7:36:02**
